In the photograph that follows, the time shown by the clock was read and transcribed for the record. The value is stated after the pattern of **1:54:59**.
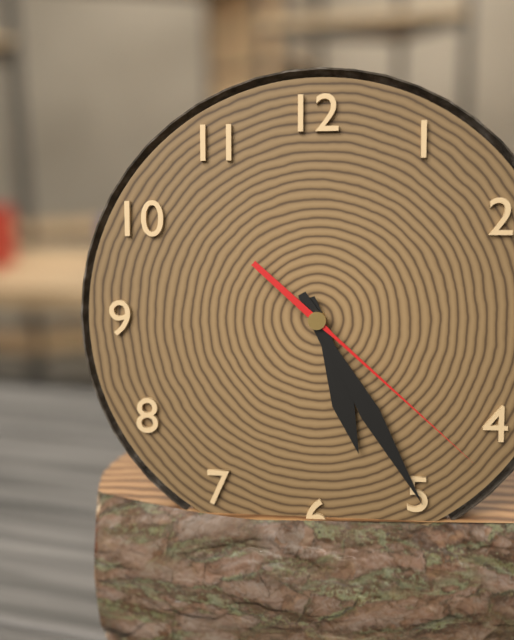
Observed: **5:25:22**
